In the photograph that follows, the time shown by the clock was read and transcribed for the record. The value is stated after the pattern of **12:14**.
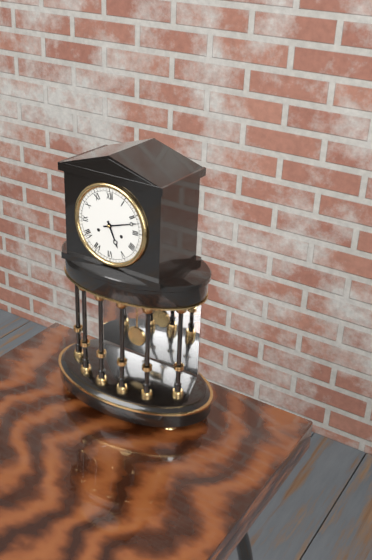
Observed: **5:12**
